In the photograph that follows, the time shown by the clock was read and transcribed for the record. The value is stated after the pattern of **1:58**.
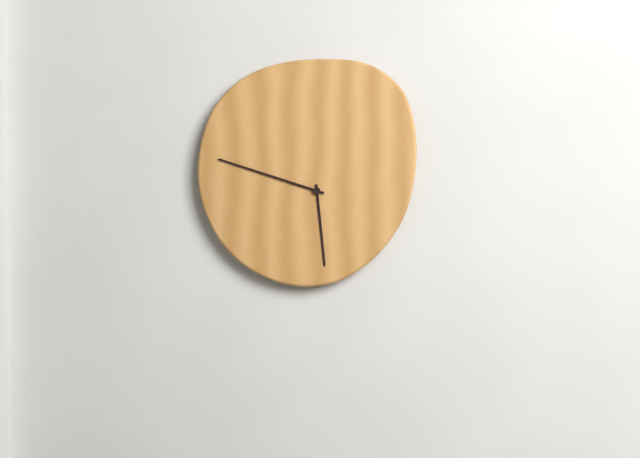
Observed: **5:48**
